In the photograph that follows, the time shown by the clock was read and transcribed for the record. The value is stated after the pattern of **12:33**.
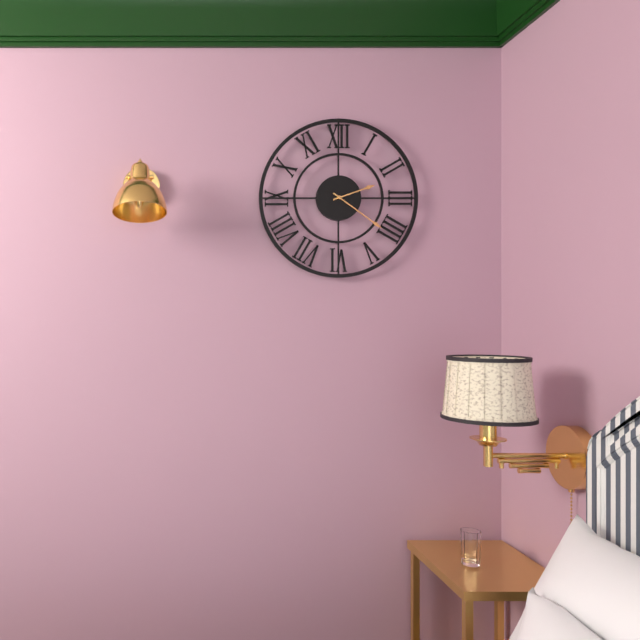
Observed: **2:21**
